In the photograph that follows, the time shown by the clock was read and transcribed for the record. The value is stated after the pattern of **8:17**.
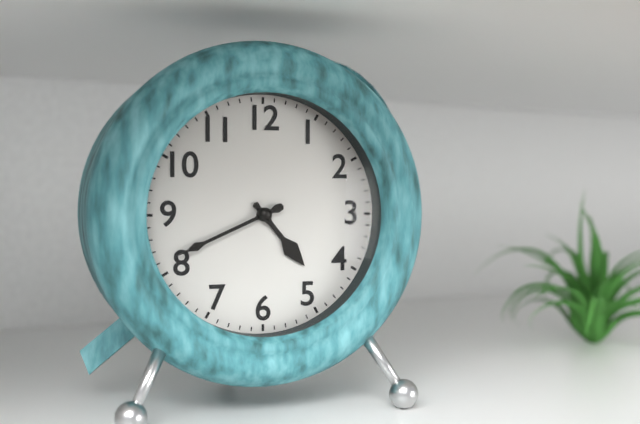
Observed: **4:41**
